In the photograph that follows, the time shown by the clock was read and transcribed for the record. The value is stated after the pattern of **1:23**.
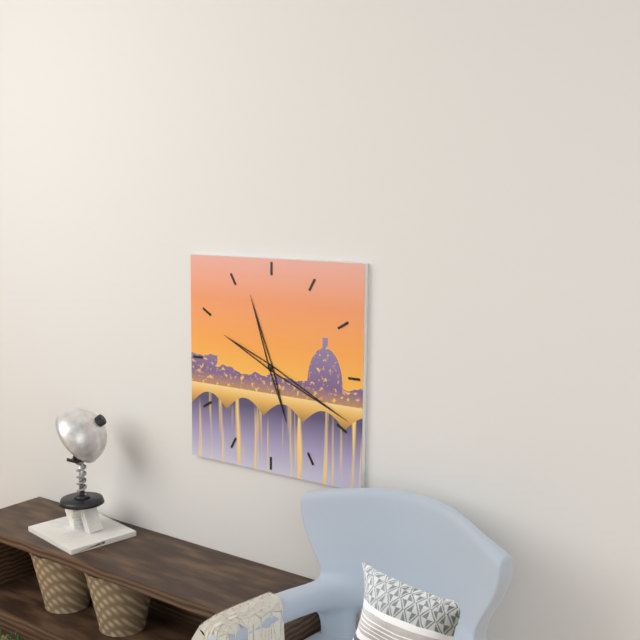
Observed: **11:19**
